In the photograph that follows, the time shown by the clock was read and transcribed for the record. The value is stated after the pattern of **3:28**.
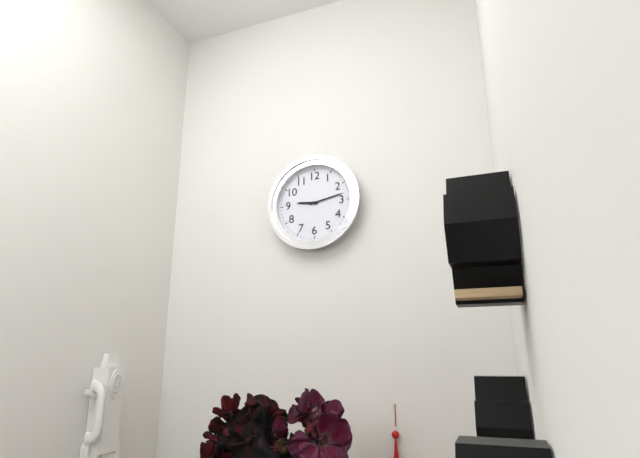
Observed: **9:13**
